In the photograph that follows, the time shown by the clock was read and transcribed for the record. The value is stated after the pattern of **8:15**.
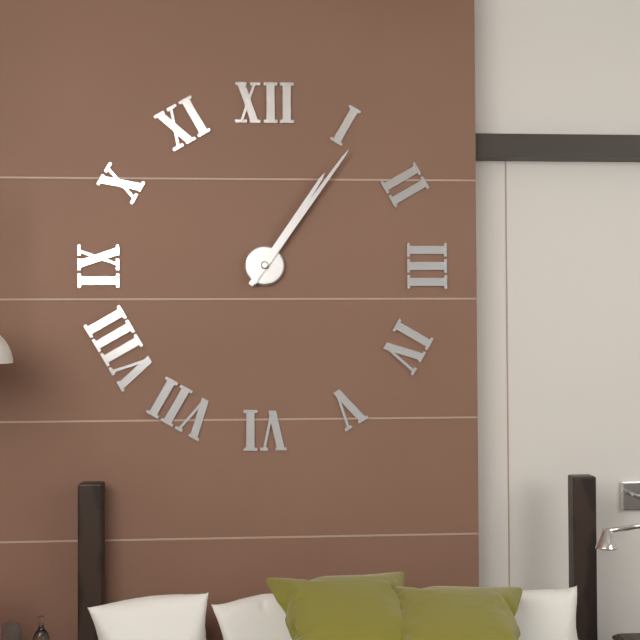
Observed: **1:06**
